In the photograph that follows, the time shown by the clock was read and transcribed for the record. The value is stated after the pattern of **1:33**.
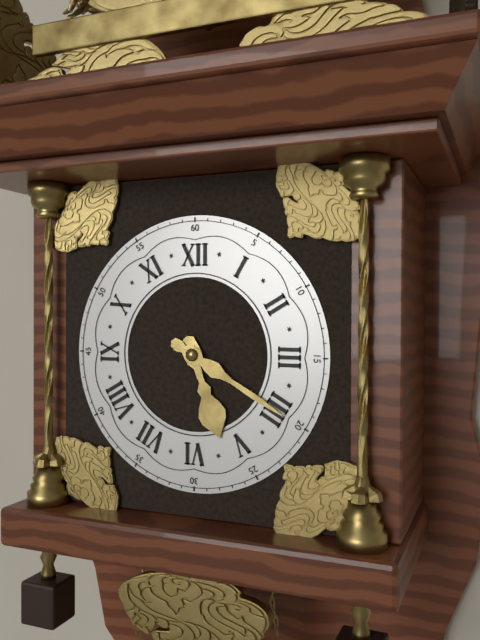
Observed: **5:20**
